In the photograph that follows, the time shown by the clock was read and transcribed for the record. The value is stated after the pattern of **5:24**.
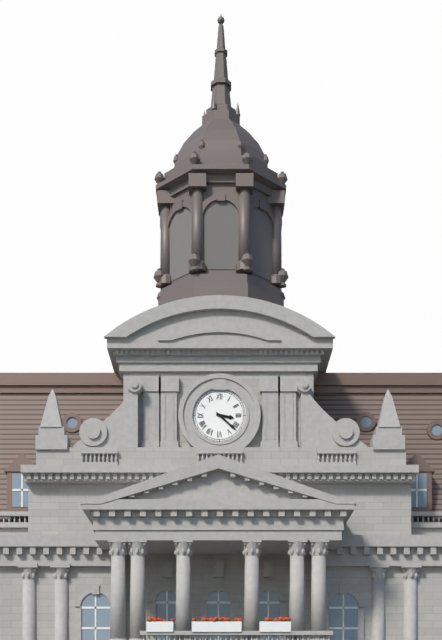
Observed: **3:22**
